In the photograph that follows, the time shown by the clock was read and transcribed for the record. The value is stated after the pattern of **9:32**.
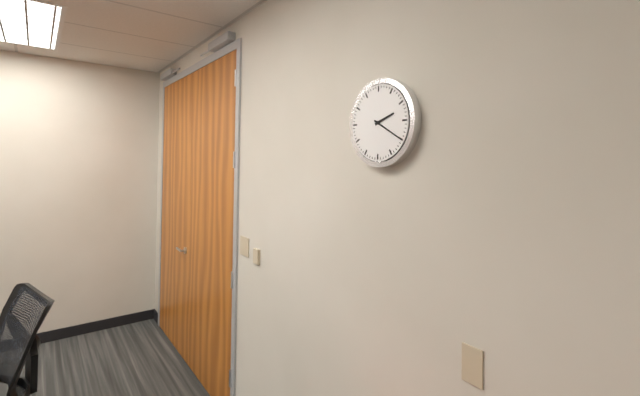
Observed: **2:20**
